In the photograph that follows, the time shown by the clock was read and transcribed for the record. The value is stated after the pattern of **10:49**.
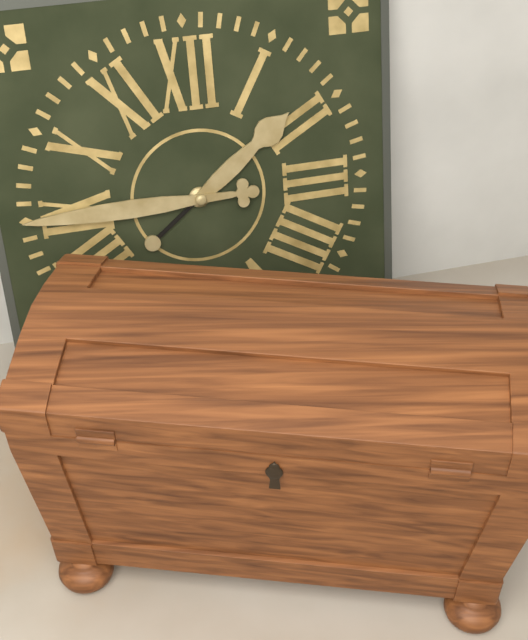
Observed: **1:45**
